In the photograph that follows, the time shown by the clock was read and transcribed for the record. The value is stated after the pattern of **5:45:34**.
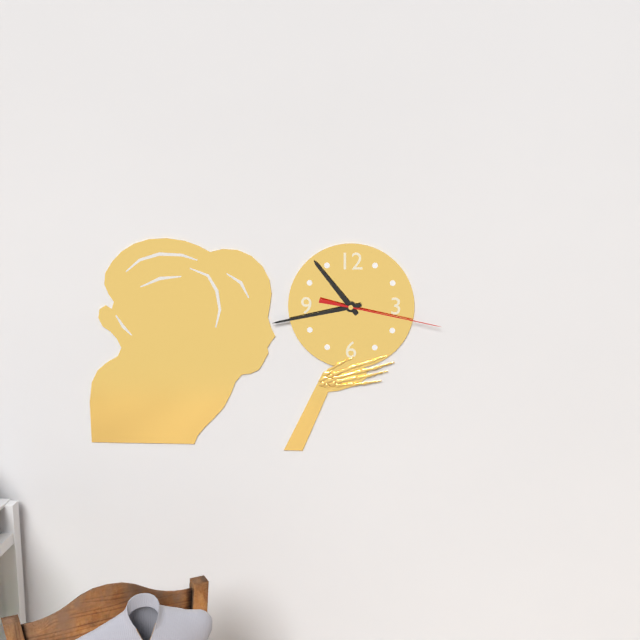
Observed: **10:43:17**
